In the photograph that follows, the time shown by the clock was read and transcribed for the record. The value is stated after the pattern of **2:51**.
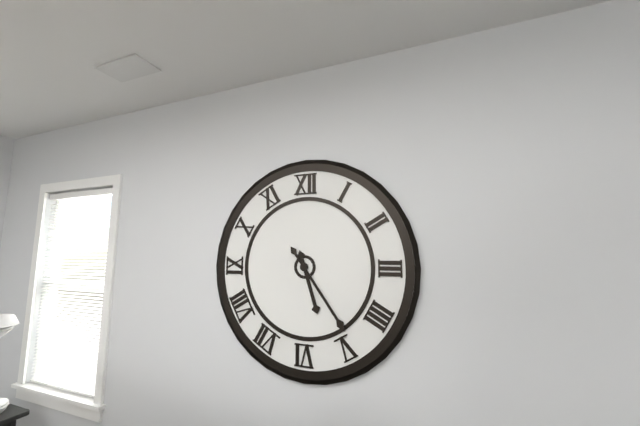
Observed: **5:24**
